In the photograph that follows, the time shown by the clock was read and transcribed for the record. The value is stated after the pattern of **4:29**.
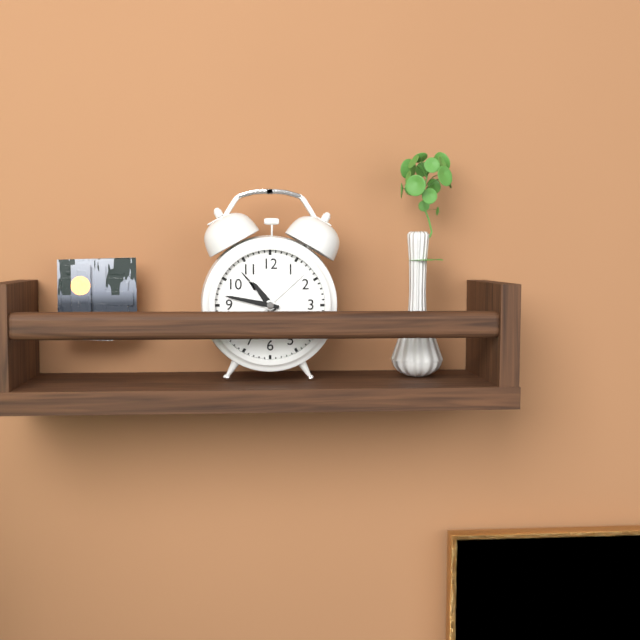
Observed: **10:47**
